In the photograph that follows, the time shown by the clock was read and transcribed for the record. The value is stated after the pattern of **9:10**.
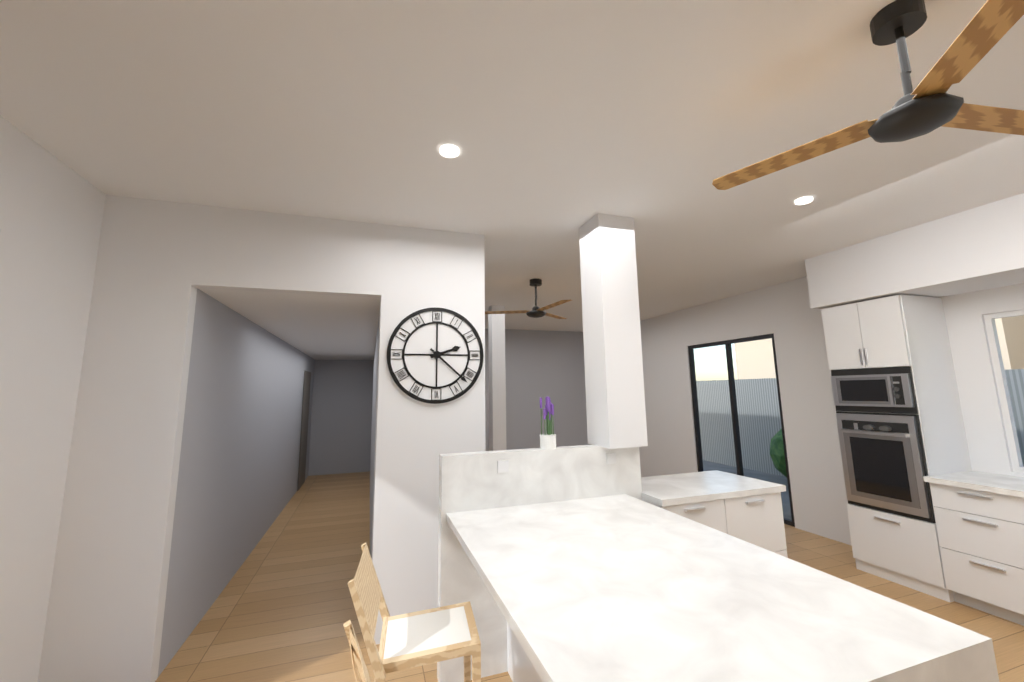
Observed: **2:22**
